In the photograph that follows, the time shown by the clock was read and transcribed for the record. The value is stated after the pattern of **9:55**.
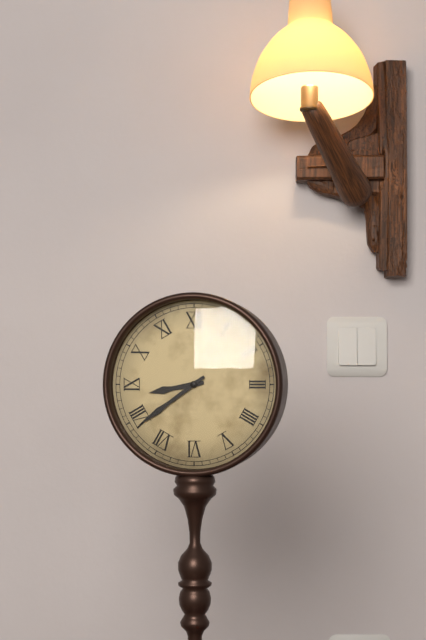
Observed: **8:39**
